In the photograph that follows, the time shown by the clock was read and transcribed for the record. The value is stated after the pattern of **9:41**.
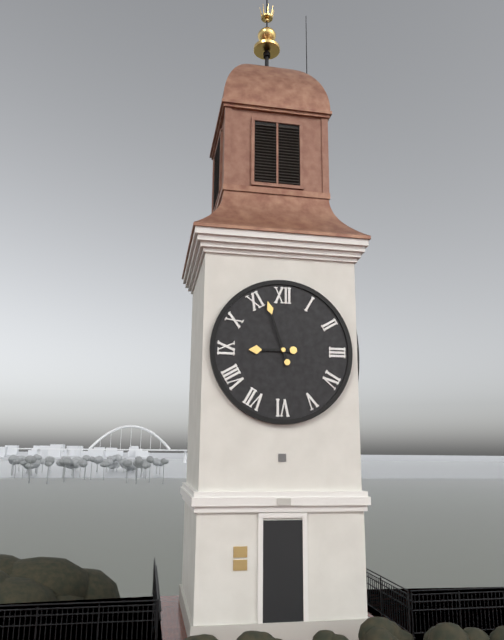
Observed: **8:57**
